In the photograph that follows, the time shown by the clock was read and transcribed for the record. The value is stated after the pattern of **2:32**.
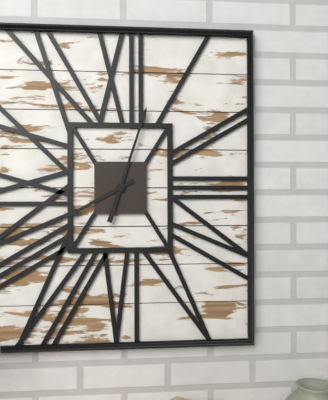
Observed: **8:03**
